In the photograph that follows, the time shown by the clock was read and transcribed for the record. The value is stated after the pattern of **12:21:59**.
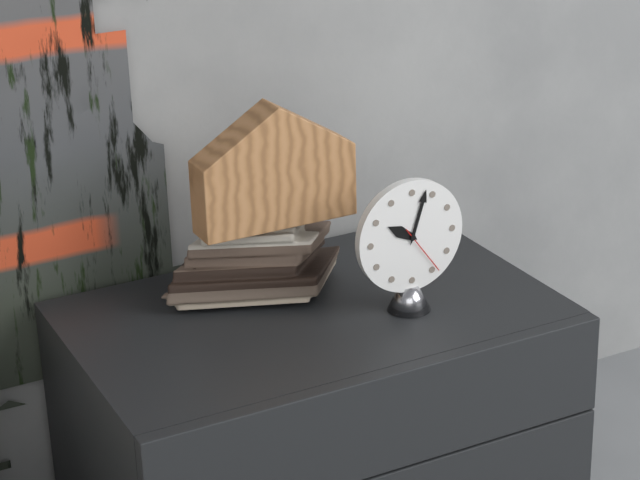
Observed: **10:03:24**
